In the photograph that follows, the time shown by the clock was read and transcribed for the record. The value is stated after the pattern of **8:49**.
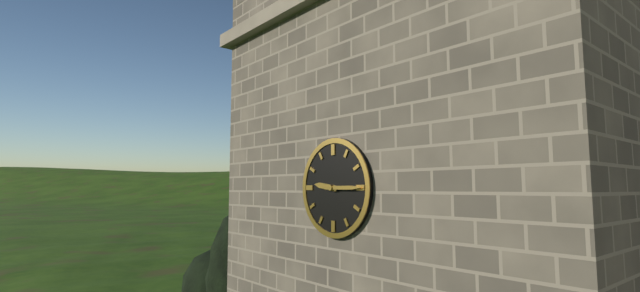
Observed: **9:15**
